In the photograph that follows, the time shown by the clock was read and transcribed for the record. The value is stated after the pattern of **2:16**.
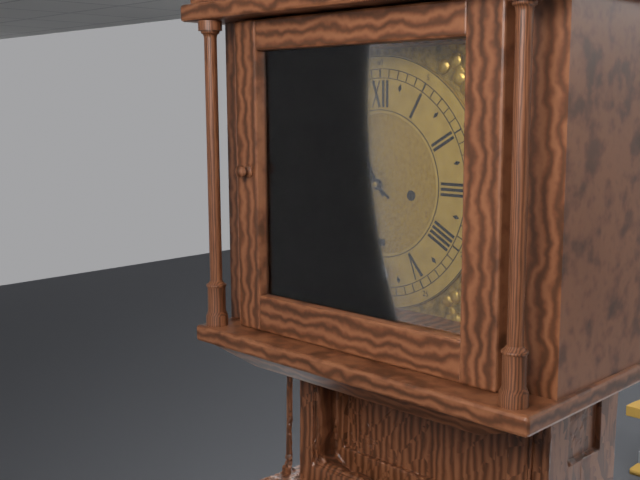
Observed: **10:51**
